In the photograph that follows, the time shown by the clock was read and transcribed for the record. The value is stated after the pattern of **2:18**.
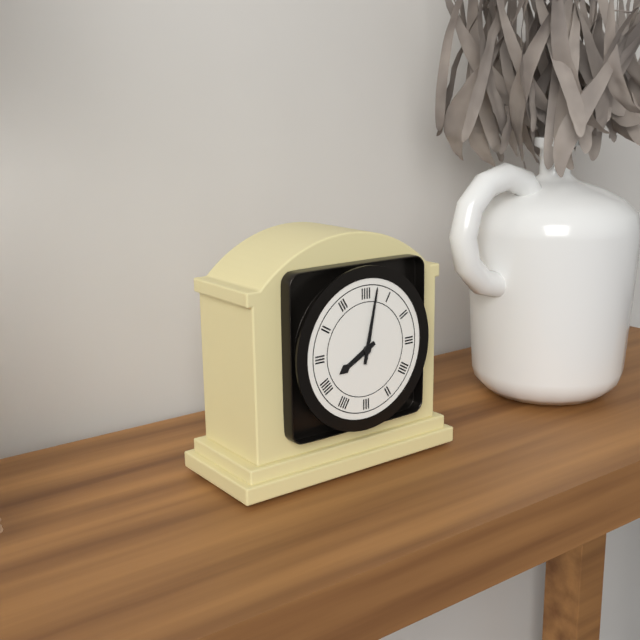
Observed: **8:02**
